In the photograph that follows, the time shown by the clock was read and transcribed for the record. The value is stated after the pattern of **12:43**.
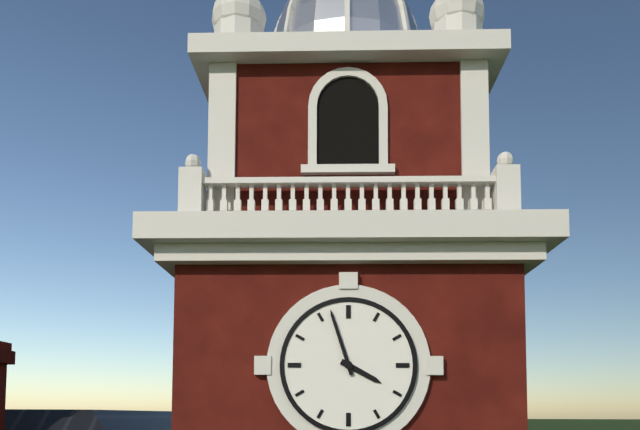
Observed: **3:57**
